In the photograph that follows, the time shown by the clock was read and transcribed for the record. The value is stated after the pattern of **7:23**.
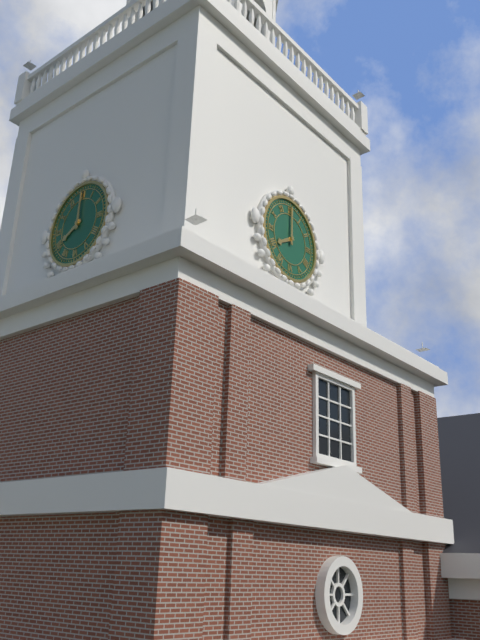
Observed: **8:00**
